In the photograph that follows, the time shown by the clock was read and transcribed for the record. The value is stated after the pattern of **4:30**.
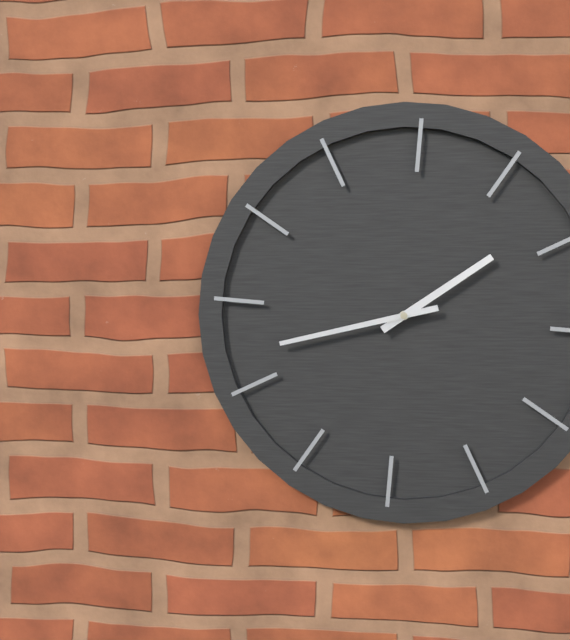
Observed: **1:42**
